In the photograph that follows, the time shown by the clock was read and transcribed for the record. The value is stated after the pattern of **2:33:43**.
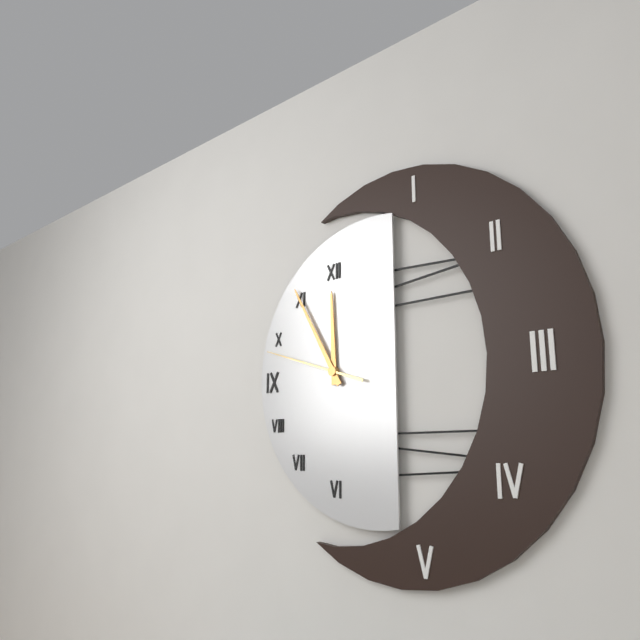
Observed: **11:55:48**
